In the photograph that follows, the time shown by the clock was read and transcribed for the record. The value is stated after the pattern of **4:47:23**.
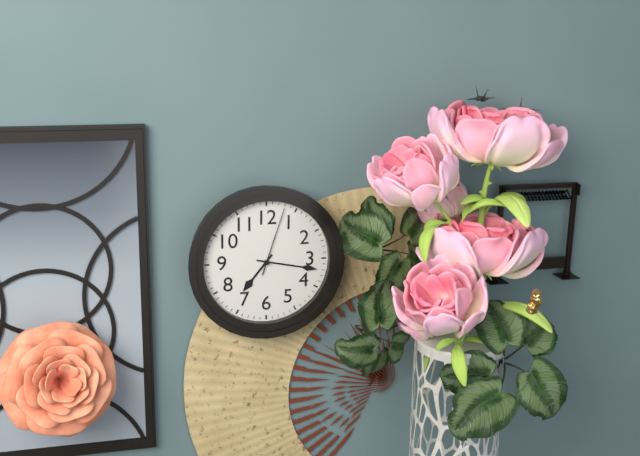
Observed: **7:17:03**
